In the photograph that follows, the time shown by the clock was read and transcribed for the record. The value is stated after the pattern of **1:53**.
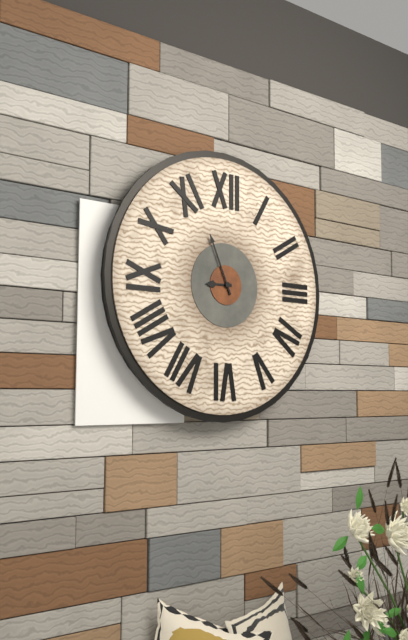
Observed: **8:56**
